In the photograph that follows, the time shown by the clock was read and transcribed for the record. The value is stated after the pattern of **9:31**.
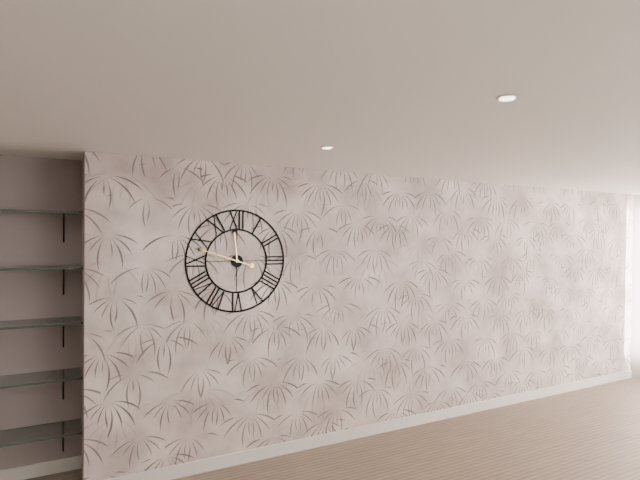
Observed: **11:48**
